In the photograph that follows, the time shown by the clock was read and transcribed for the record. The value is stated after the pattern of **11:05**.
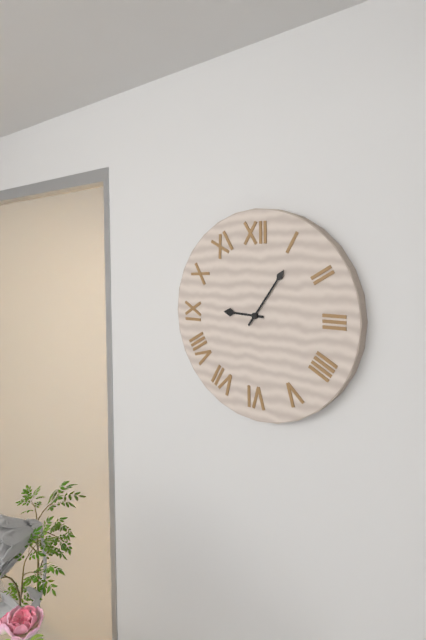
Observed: **9:06**
